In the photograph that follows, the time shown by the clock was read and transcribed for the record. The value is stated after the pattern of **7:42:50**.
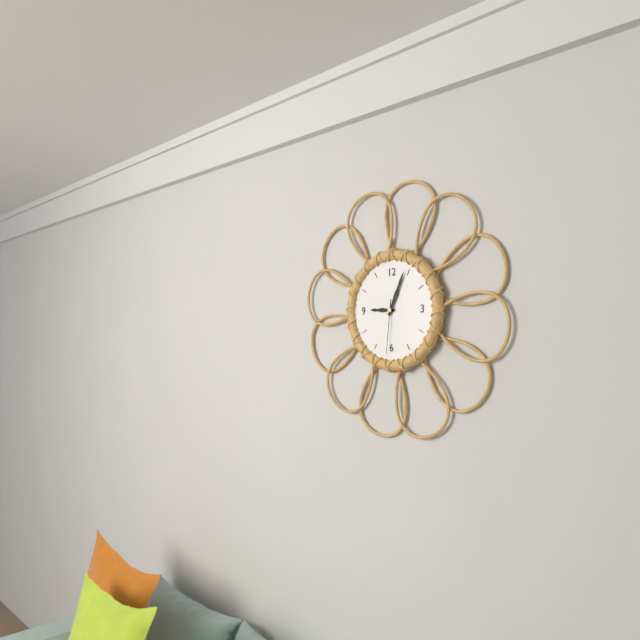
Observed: **9:04:31**
